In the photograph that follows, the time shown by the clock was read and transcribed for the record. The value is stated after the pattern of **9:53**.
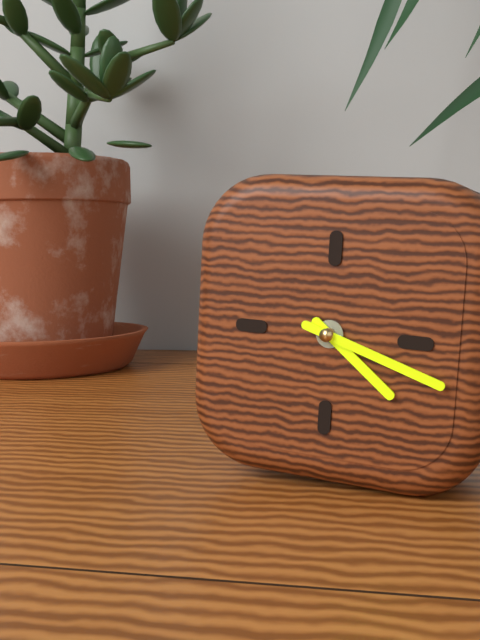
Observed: **4:18**
